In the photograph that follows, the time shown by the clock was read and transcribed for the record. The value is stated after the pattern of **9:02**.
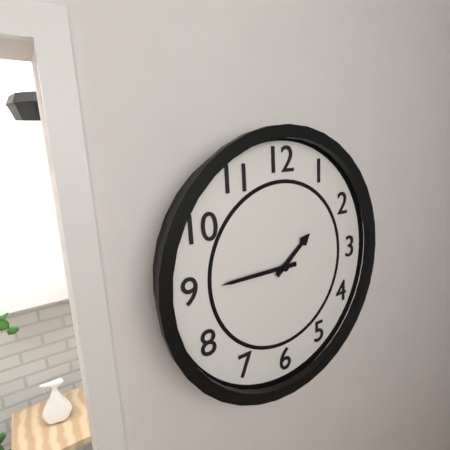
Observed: **1:45**
